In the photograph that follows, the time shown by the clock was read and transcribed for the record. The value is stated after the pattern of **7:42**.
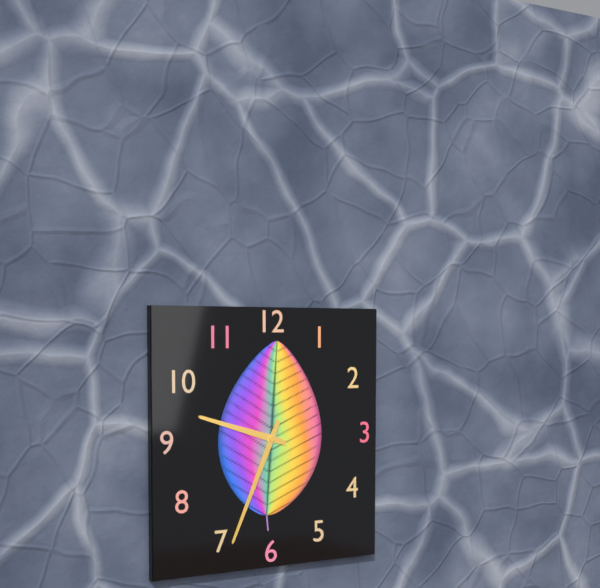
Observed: **9:34**
